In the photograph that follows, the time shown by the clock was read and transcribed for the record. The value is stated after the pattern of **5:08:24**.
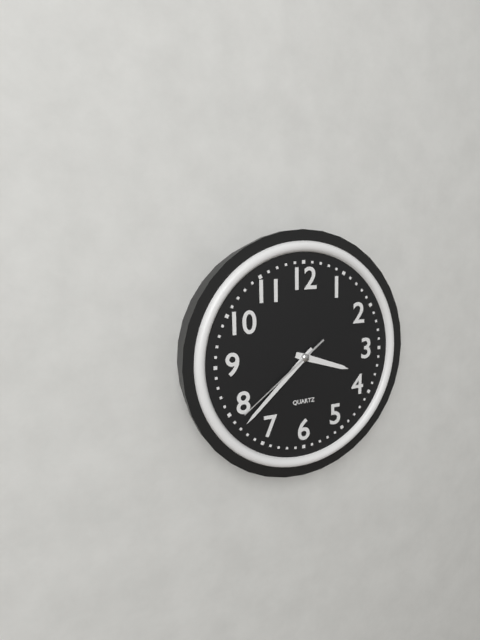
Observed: **3:38:39**
